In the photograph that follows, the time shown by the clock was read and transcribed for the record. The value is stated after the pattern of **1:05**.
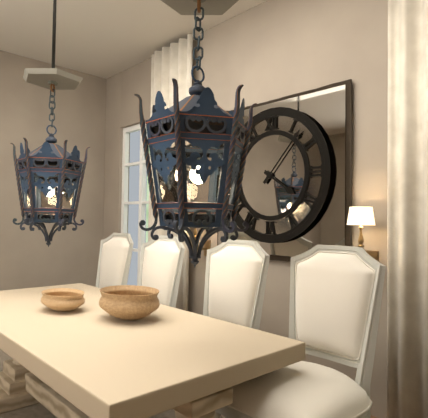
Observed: **4:07**
